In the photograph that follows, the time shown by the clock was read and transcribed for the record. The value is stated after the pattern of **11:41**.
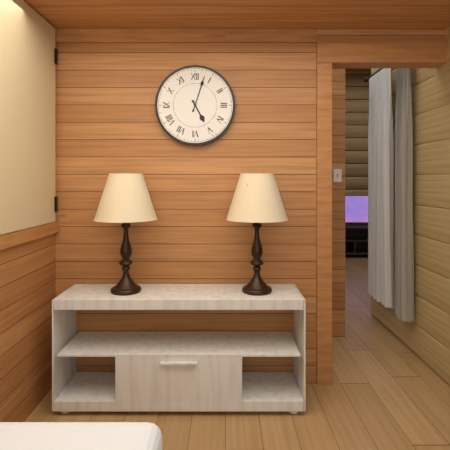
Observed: **5:03**
